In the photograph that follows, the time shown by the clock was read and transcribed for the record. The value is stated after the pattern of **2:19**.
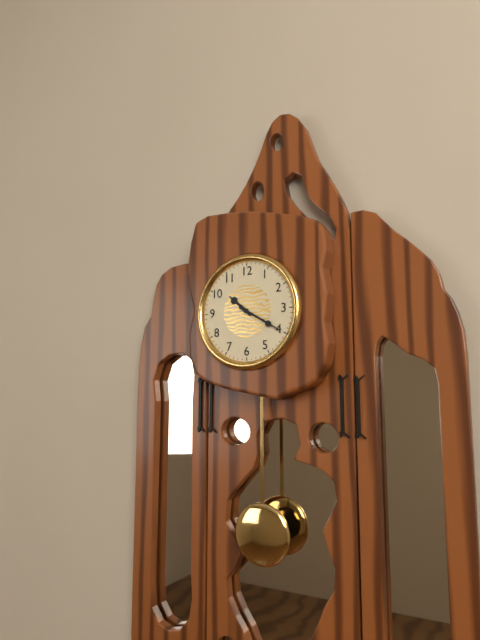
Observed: **10:20**
